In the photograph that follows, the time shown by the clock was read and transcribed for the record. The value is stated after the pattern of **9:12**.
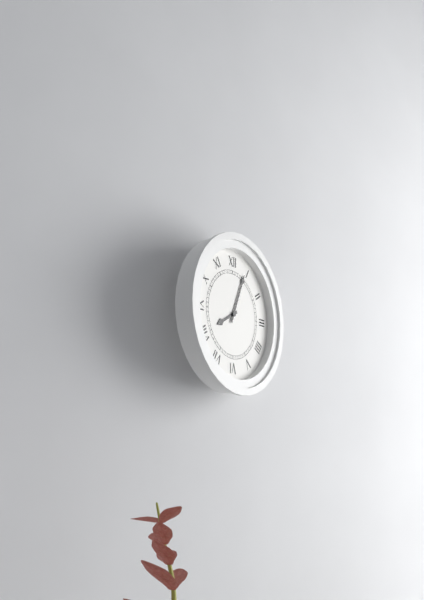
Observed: **8:04**
